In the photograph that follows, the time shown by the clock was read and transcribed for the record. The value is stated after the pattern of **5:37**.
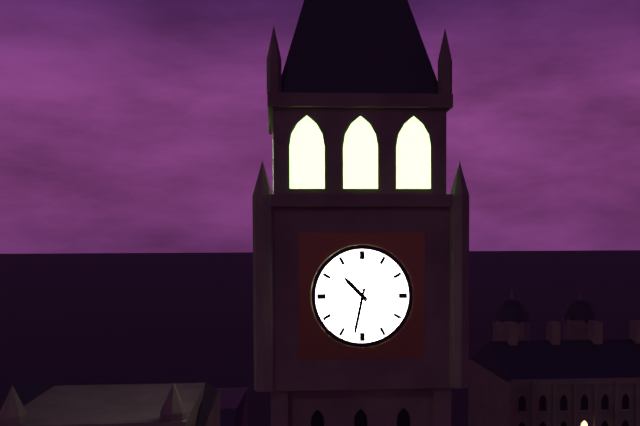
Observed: **10:32**
